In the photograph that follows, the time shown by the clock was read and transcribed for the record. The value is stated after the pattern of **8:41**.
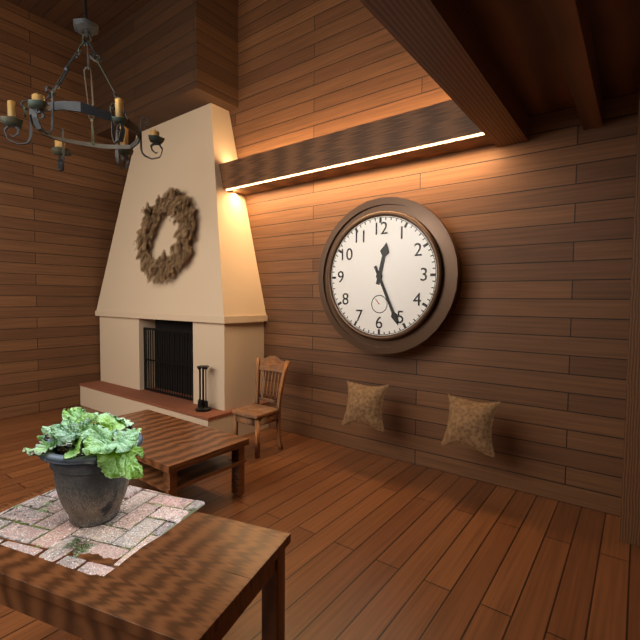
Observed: **12:26**
